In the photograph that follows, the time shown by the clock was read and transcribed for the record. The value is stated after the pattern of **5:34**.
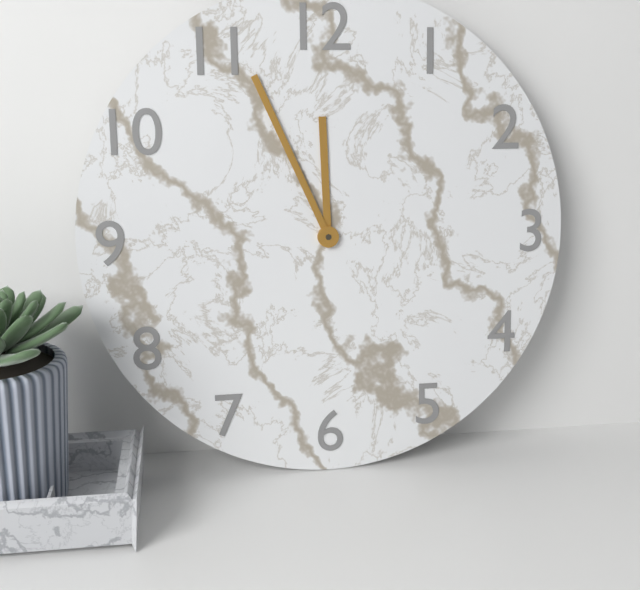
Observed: **11:56**
